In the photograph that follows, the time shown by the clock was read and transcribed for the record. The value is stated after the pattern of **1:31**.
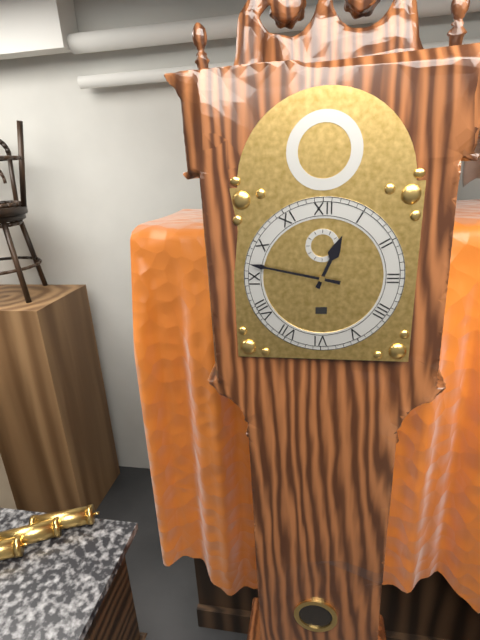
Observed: **12:47**
